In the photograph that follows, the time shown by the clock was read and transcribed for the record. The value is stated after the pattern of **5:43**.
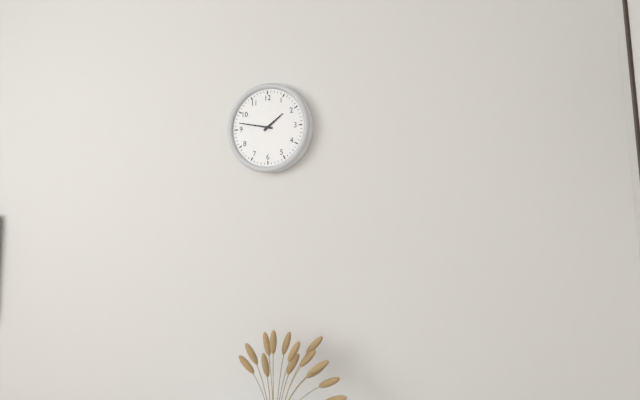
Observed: **1:47**
